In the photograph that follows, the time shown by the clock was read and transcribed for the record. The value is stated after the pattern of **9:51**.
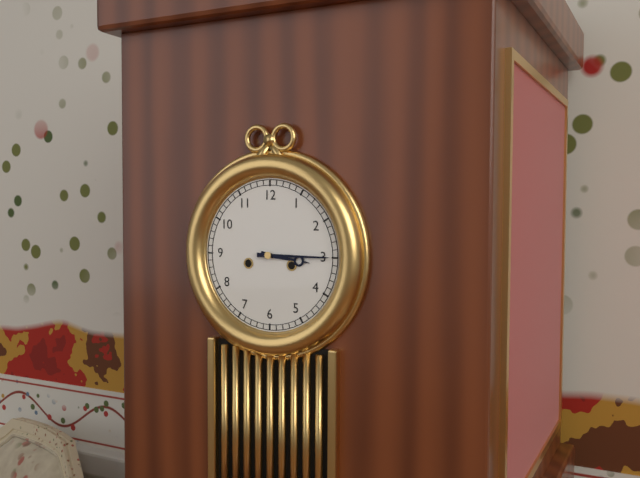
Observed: **3:15**
